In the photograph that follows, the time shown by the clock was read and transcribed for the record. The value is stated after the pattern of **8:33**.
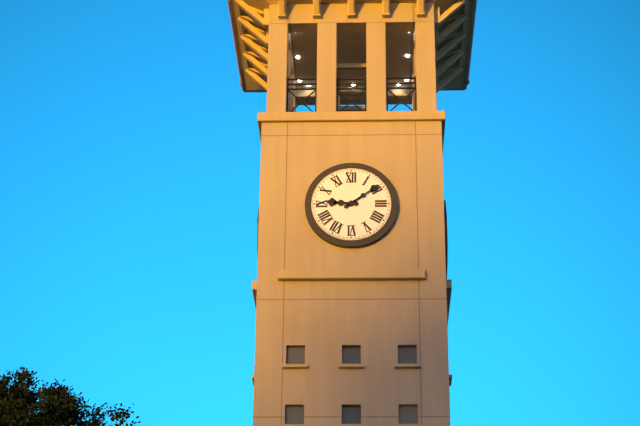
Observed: **9:09**
